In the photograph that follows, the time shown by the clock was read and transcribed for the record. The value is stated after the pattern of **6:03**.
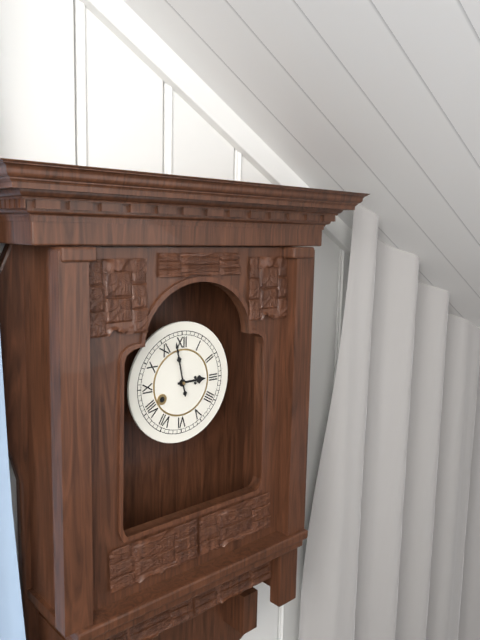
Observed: **2:58**
